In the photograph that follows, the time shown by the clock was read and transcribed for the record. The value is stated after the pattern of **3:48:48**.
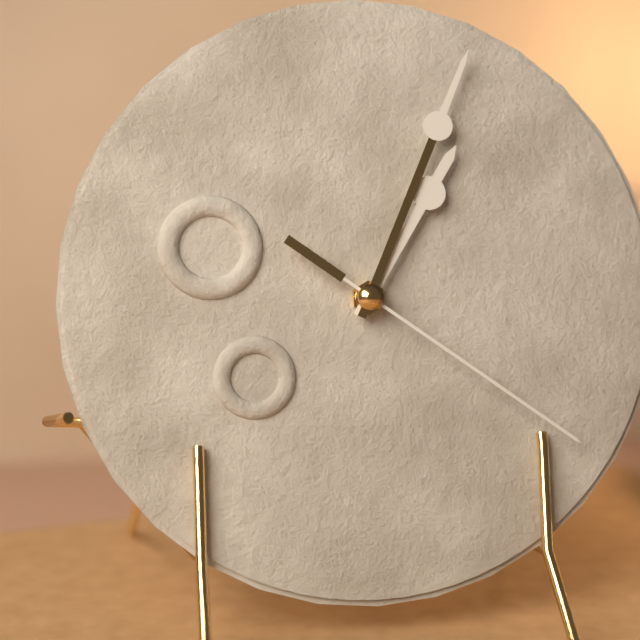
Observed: **1:04:21**
